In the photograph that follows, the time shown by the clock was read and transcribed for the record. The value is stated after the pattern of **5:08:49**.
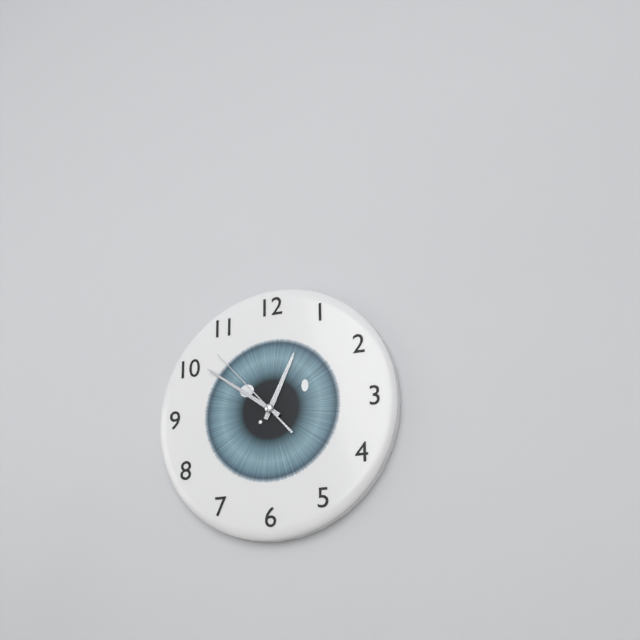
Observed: **12:51:53**
